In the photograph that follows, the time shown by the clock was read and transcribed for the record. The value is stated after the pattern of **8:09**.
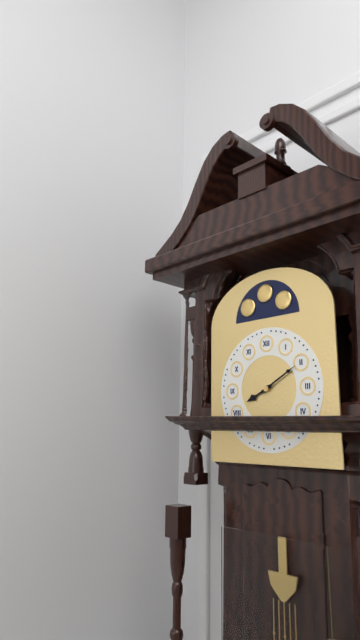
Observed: **8:10**
